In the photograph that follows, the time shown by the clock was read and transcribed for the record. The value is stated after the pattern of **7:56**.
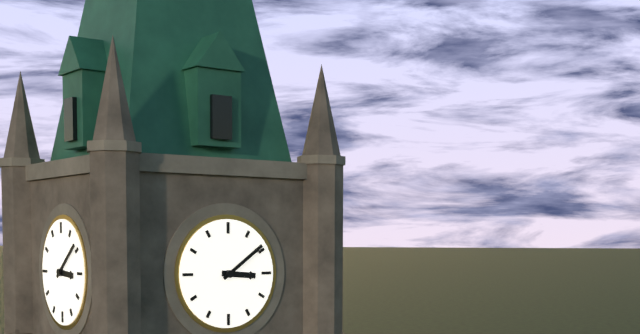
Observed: **3:09**
